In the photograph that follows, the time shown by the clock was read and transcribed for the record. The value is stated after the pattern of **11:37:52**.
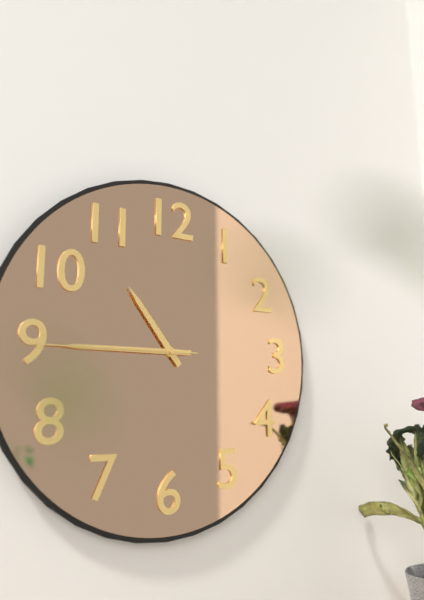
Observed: **10:45:45**
